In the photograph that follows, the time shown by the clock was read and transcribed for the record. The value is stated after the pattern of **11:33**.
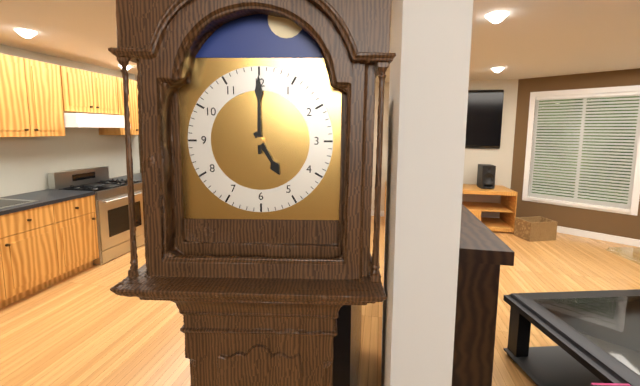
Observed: **5:00**
